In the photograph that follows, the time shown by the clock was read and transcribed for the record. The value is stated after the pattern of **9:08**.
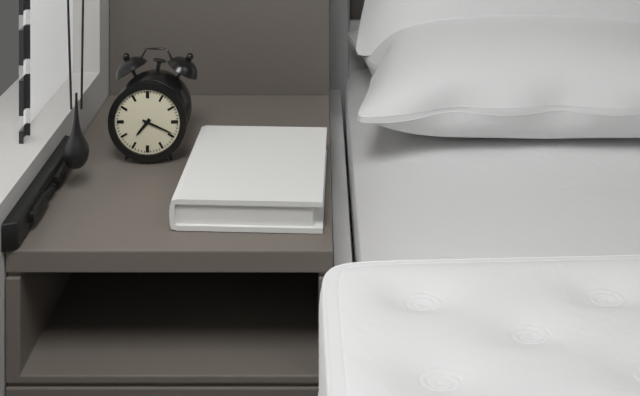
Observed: **7:19**
